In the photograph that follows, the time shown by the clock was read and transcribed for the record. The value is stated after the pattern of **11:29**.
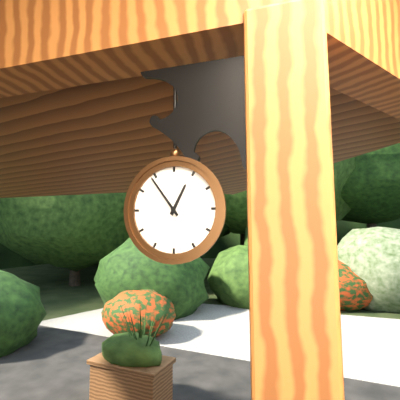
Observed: **12:54**
